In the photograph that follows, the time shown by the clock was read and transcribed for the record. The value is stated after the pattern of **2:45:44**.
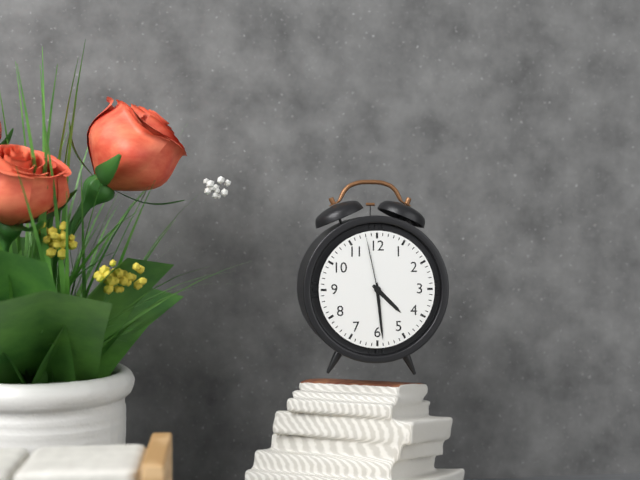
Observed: **4:29:58**
